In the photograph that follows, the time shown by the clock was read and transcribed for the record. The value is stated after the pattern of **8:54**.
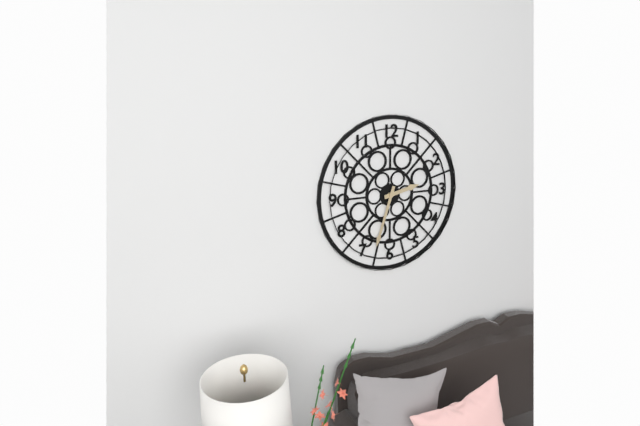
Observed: **2:33**
